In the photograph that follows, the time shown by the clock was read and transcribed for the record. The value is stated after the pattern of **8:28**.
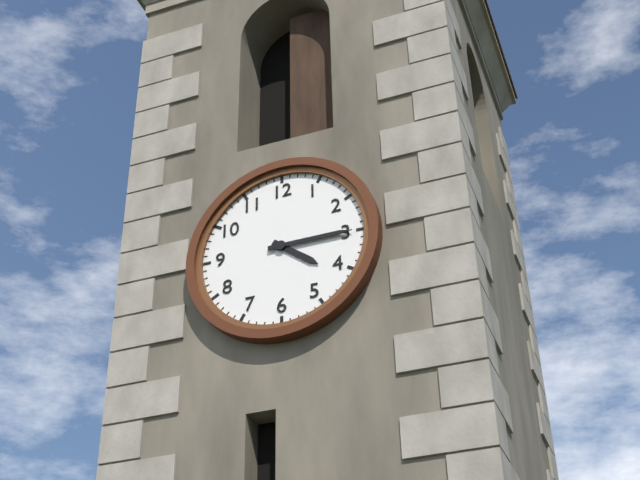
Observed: **4:15**
